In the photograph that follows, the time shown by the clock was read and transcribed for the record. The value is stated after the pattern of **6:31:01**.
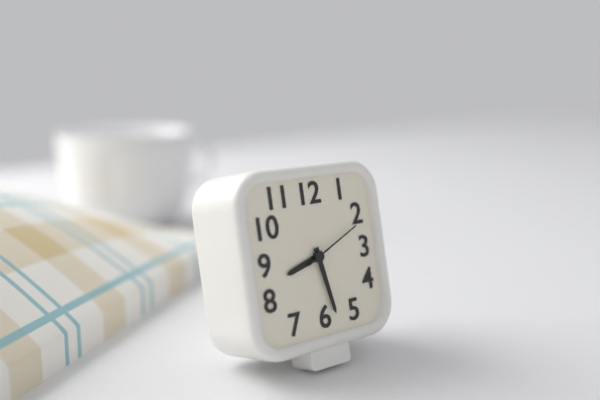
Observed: **8:28:11**
